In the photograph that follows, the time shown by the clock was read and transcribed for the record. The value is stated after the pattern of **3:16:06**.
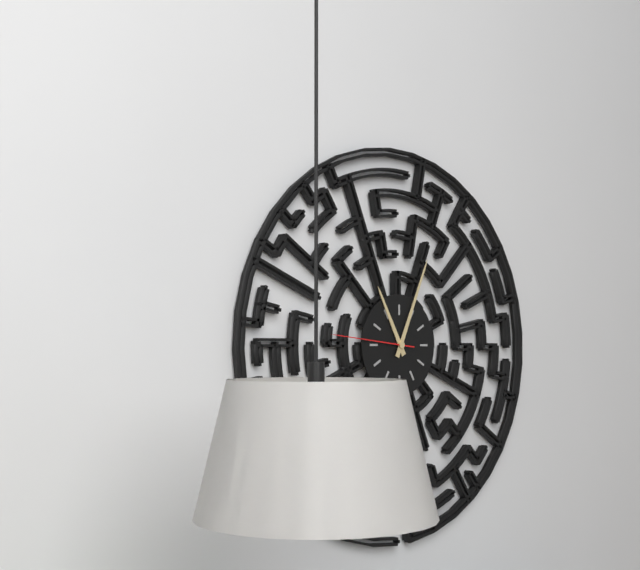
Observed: **11:04:46**
